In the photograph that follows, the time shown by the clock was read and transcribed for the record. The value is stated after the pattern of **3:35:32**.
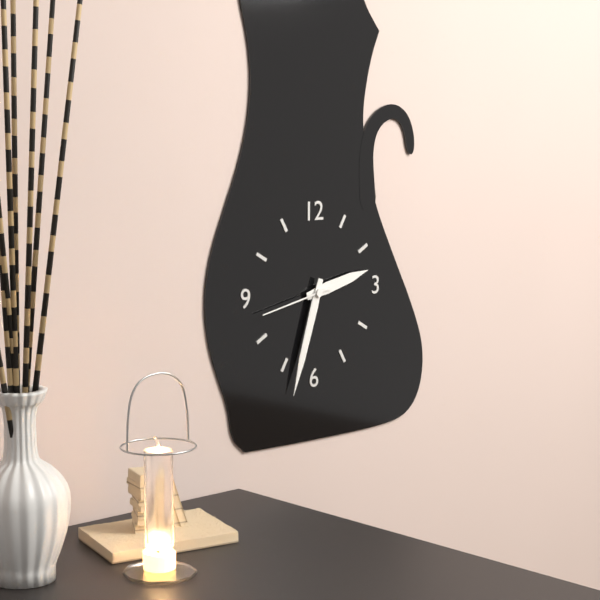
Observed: **2:33:43**
